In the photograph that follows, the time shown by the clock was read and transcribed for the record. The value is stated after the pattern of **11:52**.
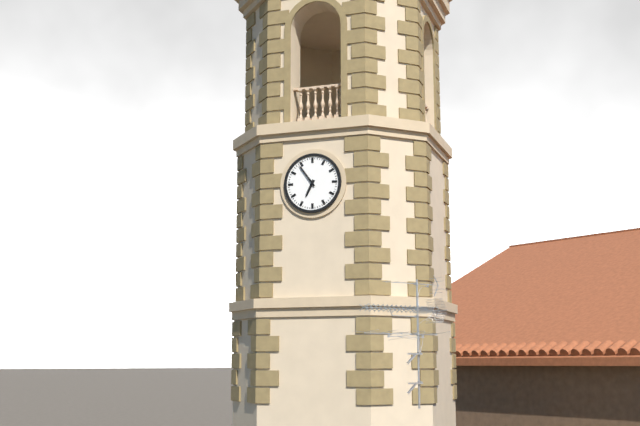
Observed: **6:54**
